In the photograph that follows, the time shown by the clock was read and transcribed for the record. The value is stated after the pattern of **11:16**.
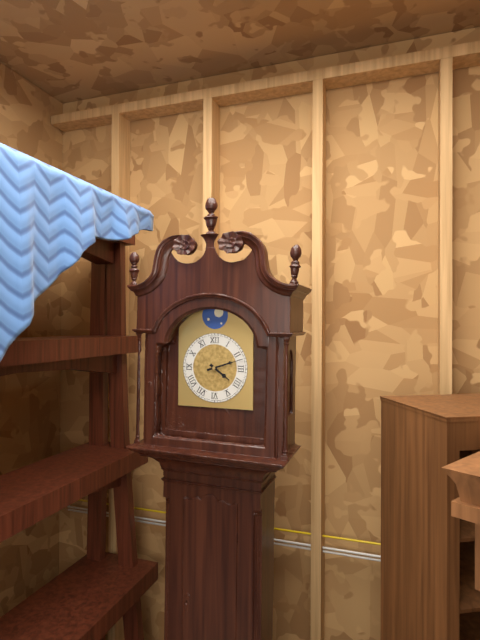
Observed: **4:12**
